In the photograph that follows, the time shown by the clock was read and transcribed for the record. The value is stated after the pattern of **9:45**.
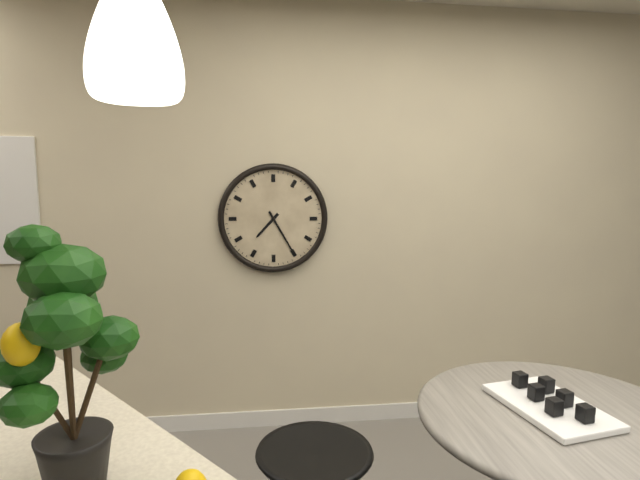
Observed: **7:25**
